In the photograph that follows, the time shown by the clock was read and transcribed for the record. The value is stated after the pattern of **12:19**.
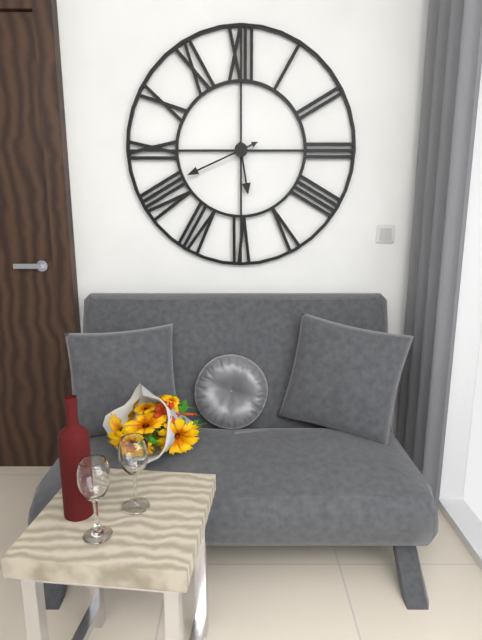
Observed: **5:41**
